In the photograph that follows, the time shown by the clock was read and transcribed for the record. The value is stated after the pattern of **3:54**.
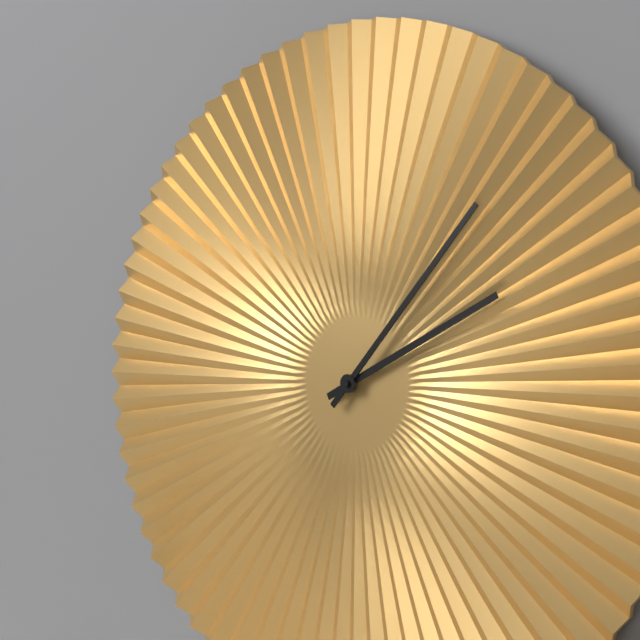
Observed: **2:07**
